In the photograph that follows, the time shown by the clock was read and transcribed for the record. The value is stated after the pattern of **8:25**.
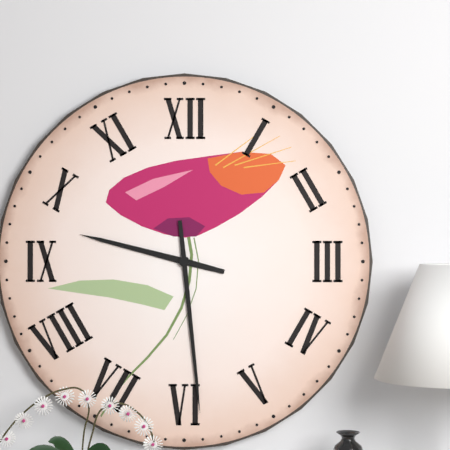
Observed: **9:29**
